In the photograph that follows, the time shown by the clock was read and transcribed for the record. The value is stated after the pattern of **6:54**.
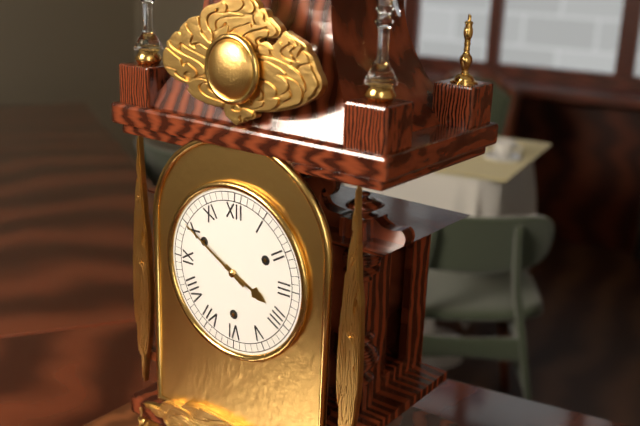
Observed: **3:50**
